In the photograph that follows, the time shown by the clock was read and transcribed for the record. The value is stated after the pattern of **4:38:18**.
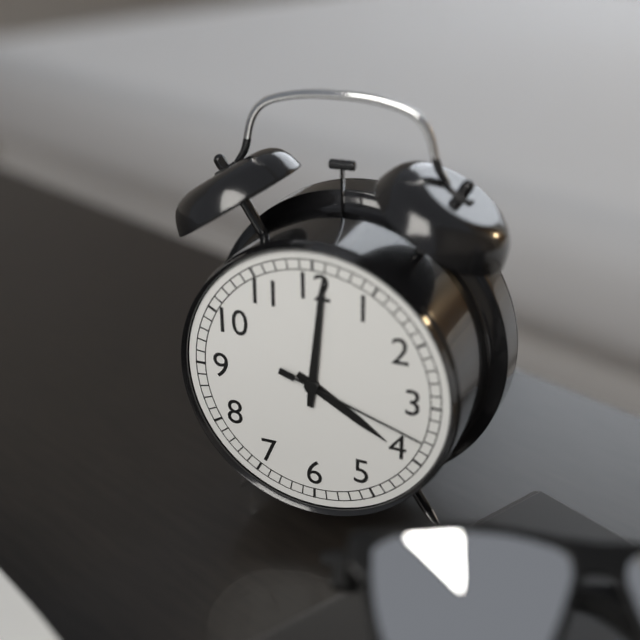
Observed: **4:01:18**
